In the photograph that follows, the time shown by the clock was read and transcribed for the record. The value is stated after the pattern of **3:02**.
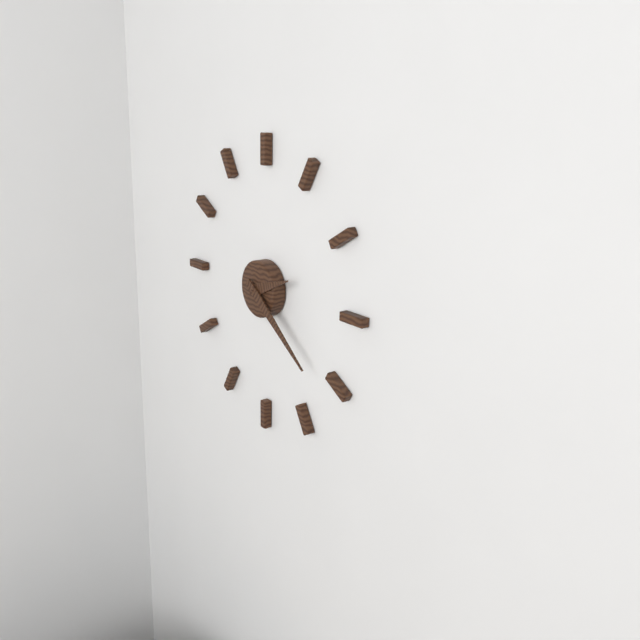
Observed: **2:21**
